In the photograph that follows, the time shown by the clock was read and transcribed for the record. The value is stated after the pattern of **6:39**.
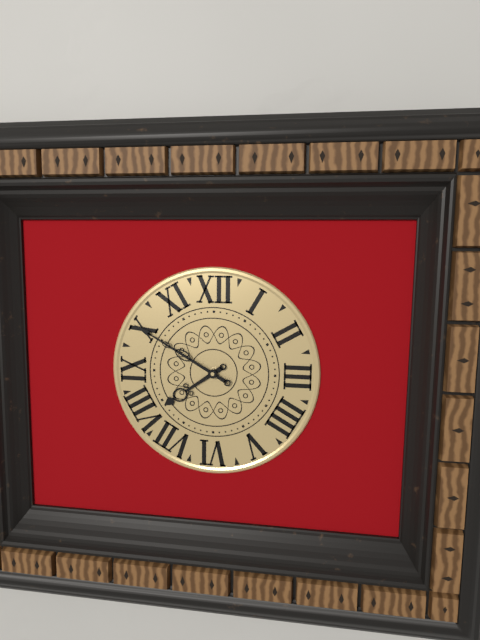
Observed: **7:50**
